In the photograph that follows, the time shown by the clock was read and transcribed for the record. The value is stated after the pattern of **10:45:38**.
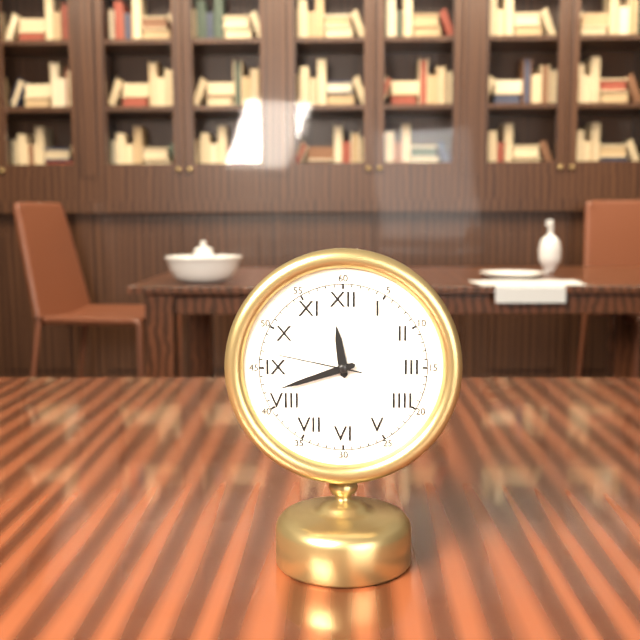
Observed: **11:42:47**
